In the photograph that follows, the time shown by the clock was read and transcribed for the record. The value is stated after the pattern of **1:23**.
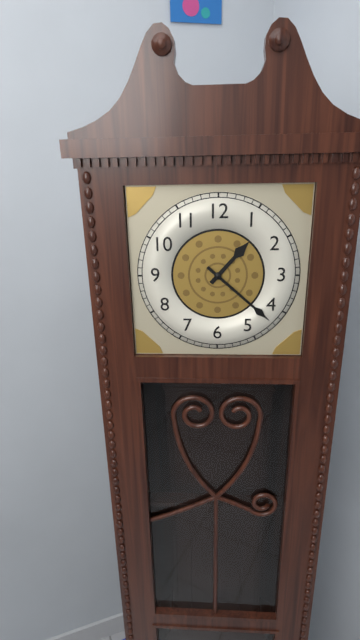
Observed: **1:22**
